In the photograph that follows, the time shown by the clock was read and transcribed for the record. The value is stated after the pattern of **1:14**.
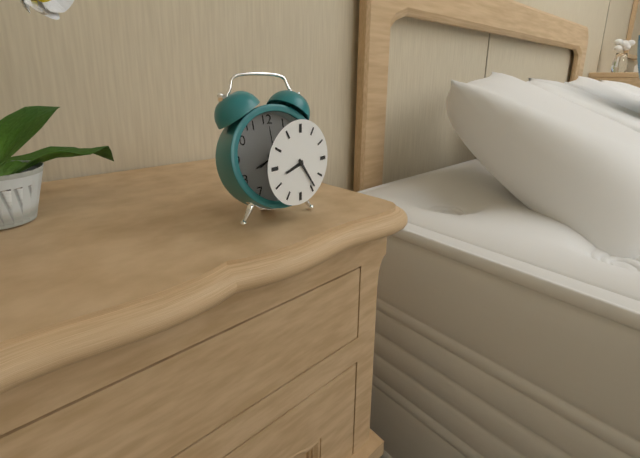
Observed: **8:24**
